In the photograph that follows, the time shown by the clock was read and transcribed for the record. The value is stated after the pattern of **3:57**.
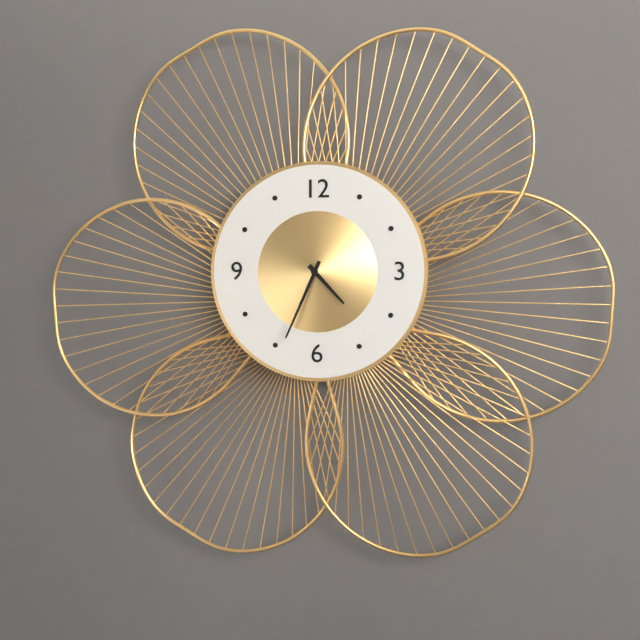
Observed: **4:34**
